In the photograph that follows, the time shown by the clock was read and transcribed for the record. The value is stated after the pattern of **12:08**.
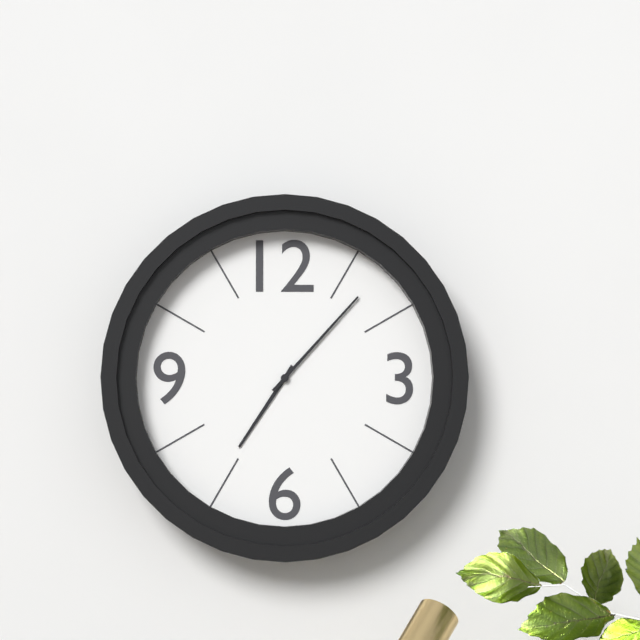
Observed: **7:07**
